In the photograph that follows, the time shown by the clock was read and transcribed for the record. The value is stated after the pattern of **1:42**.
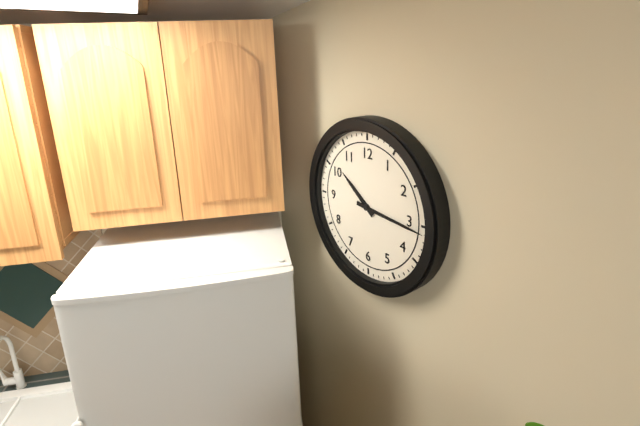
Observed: **10:16**
